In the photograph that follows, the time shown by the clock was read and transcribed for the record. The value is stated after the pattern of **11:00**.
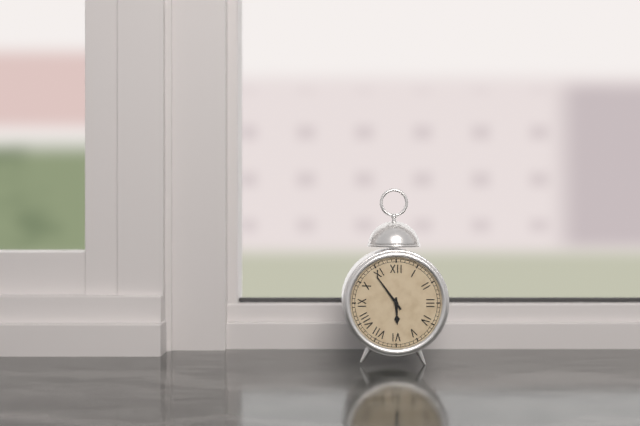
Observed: **5:54**
